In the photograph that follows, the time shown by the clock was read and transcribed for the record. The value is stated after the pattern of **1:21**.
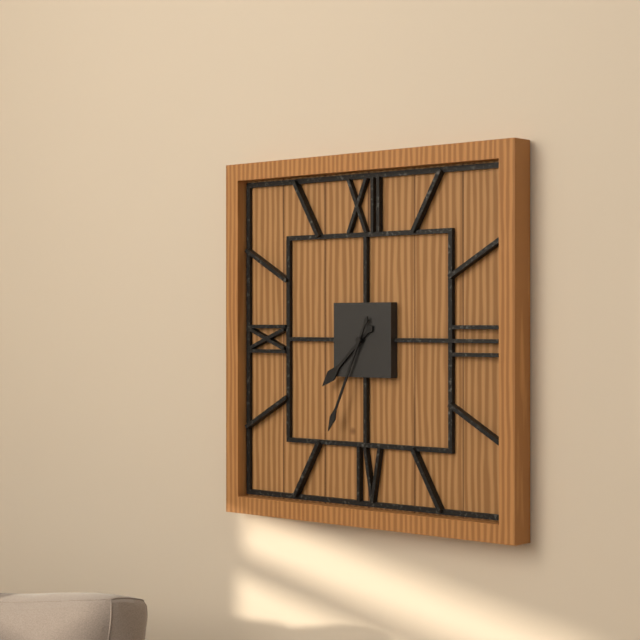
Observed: **7:34**
